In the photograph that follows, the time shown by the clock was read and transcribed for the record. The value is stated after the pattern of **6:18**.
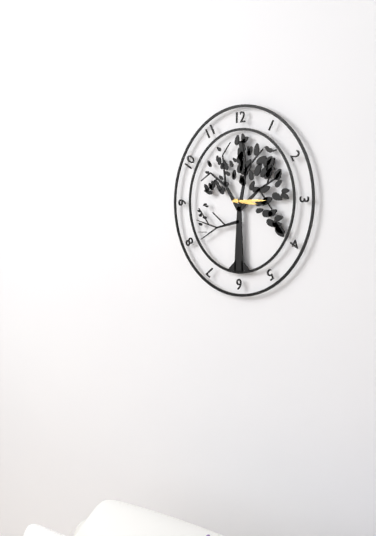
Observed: **3:15**
